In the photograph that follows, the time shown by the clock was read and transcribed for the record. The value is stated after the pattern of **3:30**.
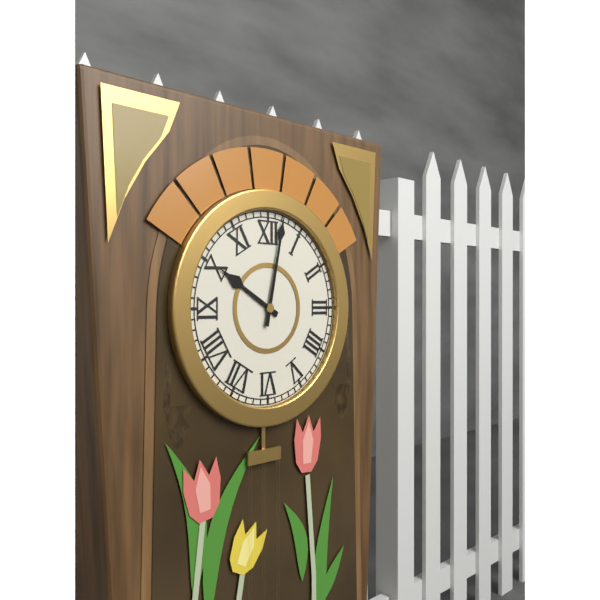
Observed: **10:02**
